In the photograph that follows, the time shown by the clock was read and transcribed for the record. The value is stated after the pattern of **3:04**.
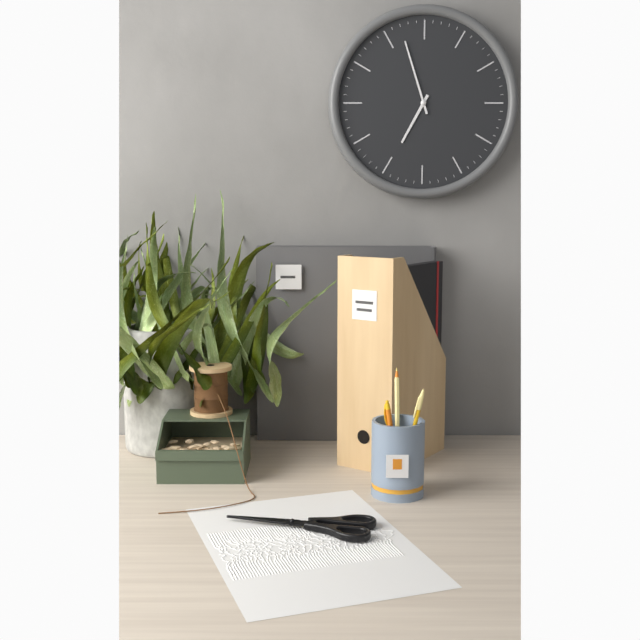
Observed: **6:57**
